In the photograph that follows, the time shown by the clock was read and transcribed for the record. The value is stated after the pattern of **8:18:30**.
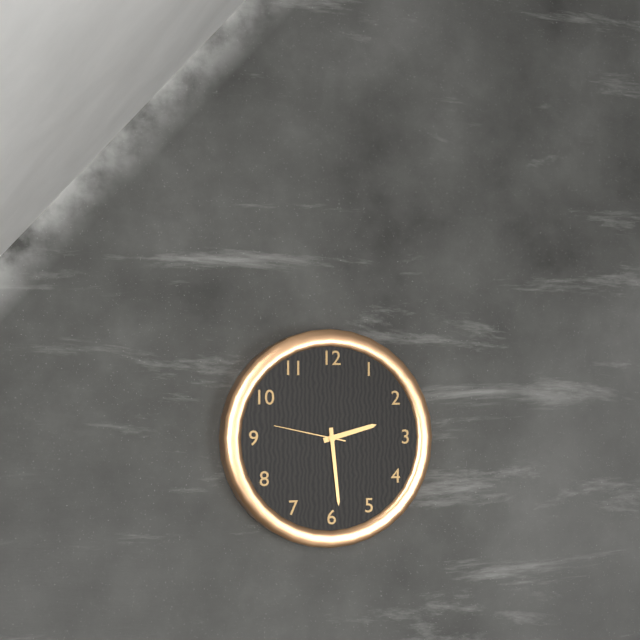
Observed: **2:29:47**
